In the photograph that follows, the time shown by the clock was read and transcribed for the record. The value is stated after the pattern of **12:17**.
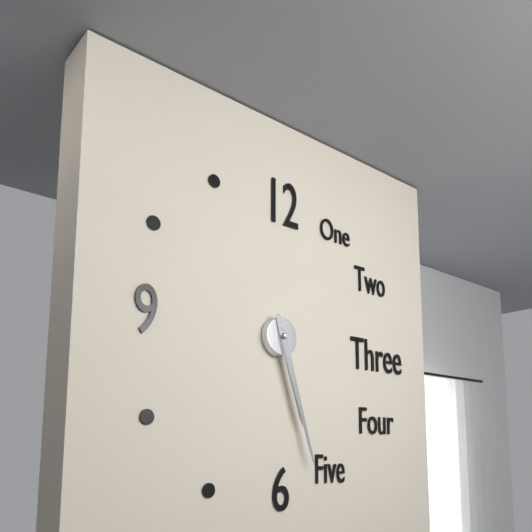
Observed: **5:27**
